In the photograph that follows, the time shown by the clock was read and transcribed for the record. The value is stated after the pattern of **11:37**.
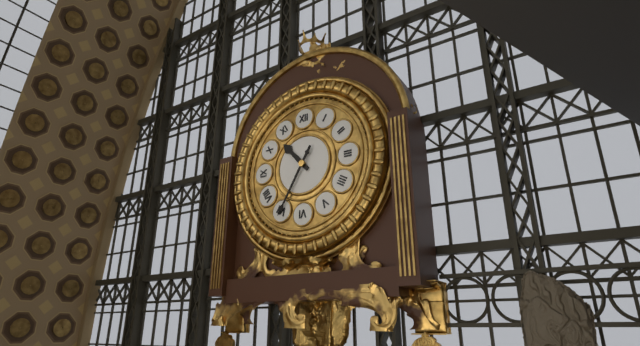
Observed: **10:35**
